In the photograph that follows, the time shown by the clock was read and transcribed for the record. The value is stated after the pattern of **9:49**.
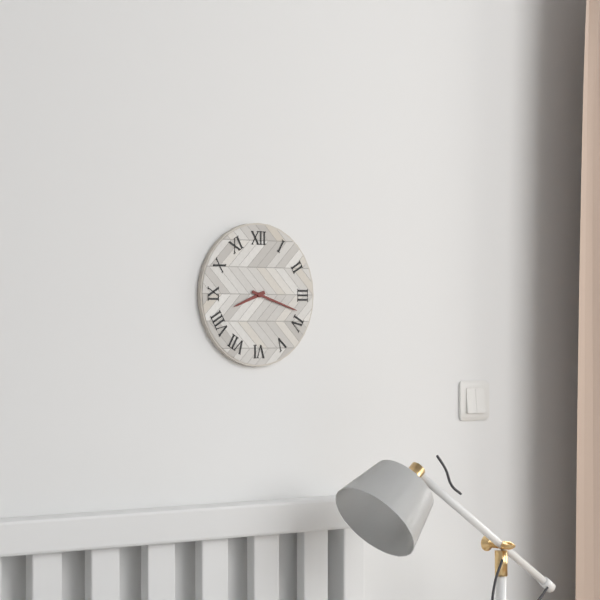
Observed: **8:18**
